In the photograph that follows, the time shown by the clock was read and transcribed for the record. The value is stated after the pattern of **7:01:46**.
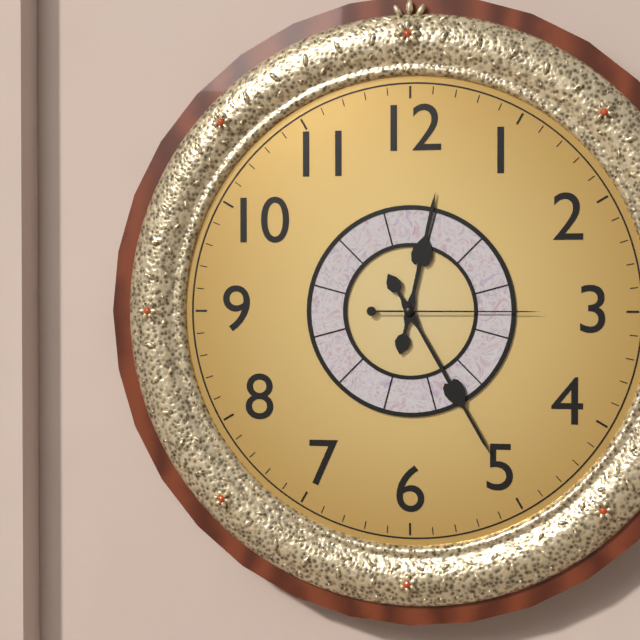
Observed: **12:25:15**
